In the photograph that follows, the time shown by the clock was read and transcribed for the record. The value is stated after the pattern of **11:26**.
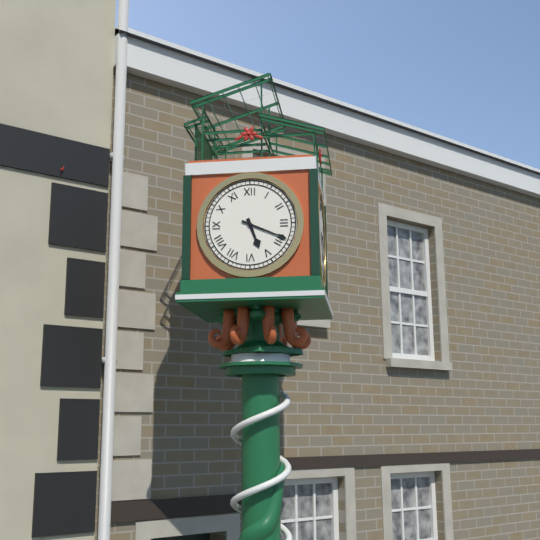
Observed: **5:19**
